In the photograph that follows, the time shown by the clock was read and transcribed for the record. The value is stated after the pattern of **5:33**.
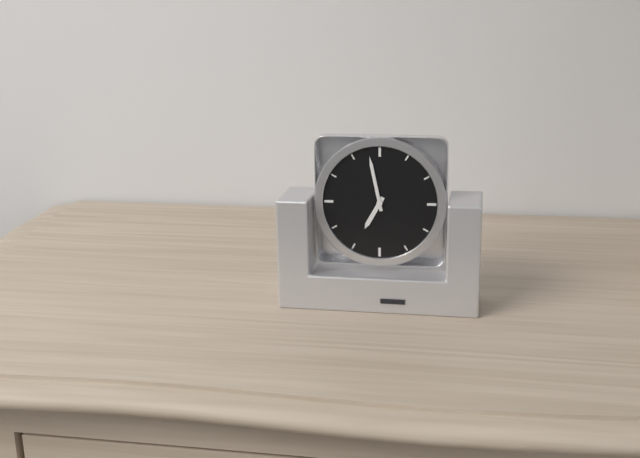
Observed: **6:58**
